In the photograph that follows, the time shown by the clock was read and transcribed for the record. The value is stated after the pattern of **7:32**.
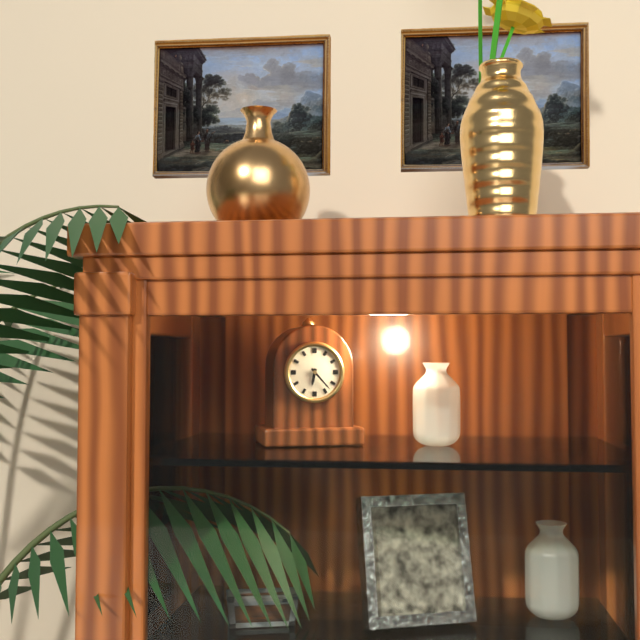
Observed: **6:23**
